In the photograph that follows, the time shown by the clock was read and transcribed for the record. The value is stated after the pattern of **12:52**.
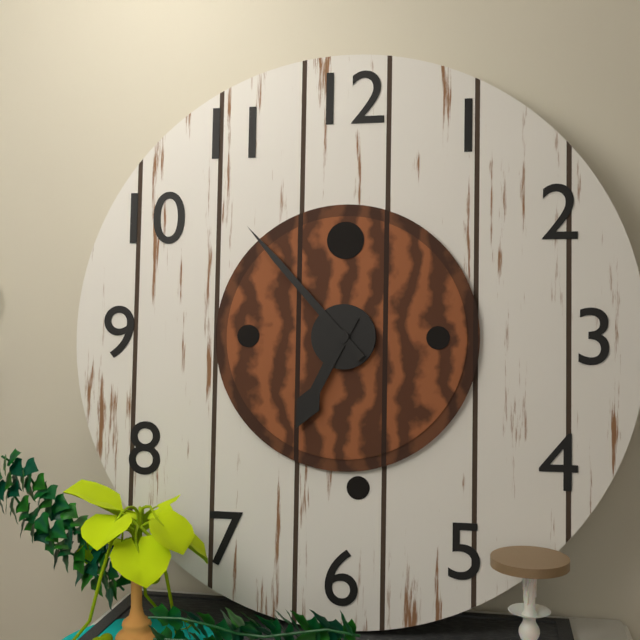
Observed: **6:53**
